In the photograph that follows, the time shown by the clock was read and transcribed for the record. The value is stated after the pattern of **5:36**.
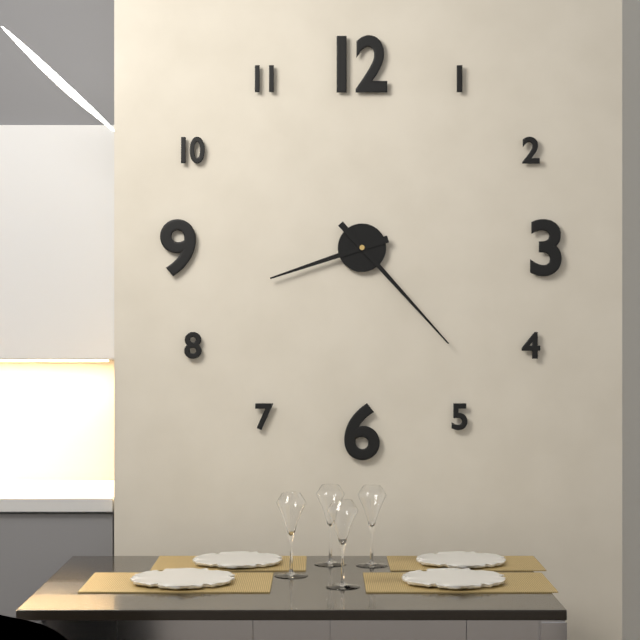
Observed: **8:23**
